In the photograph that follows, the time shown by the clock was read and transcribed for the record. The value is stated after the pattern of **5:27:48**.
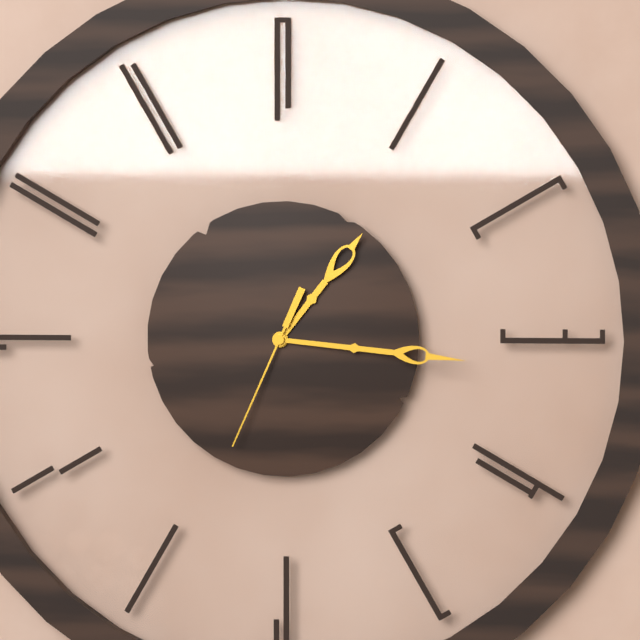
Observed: **1:16:34**
